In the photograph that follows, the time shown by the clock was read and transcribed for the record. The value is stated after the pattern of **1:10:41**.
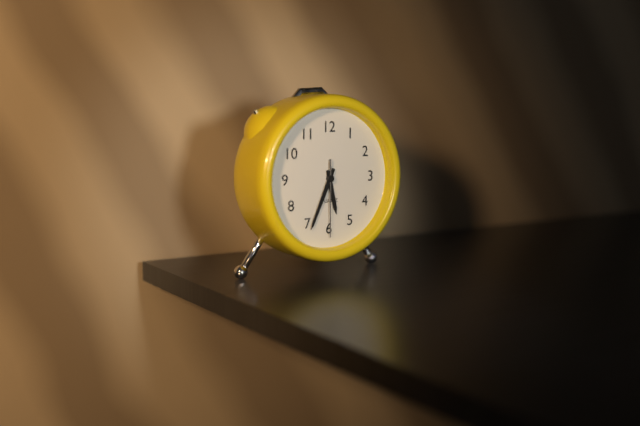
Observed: **5:34:30**
